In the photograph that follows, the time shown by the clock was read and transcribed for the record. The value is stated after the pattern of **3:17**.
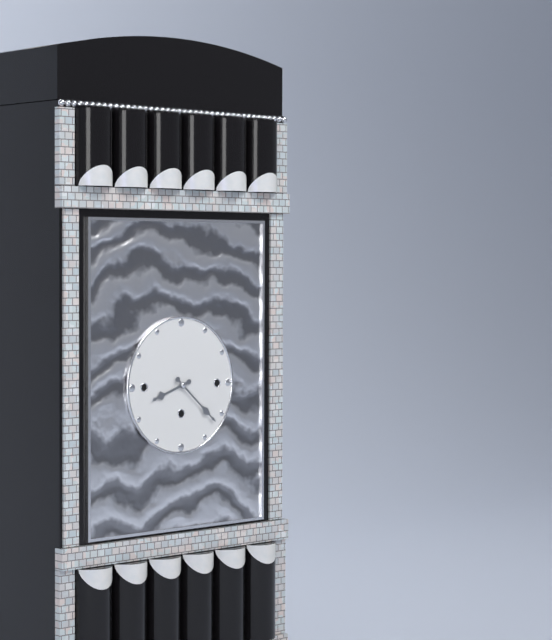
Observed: **8:22**
